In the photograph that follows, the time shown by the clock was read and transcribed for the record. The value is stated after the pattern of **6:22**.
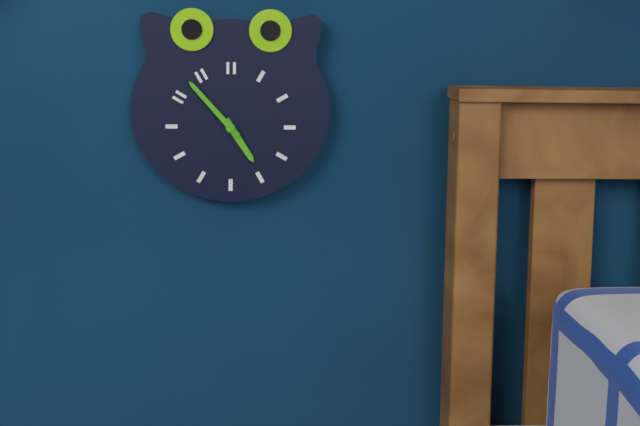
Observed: **4:53**
